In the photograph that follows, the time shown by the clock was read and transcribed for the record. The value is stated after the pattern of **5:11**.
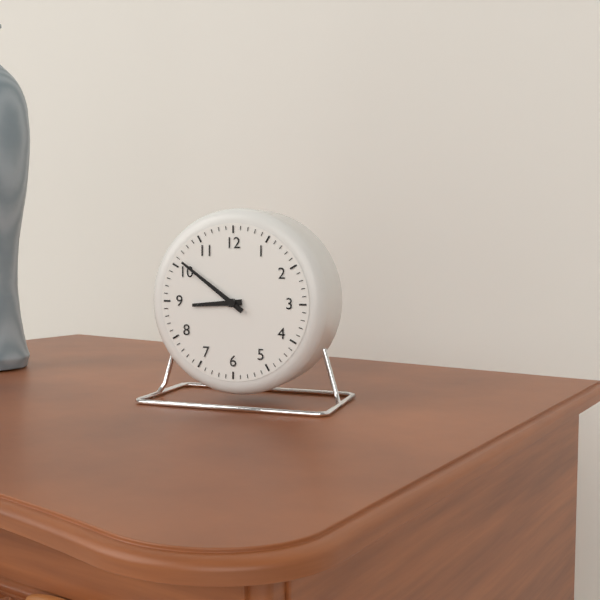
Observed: **8:51**
